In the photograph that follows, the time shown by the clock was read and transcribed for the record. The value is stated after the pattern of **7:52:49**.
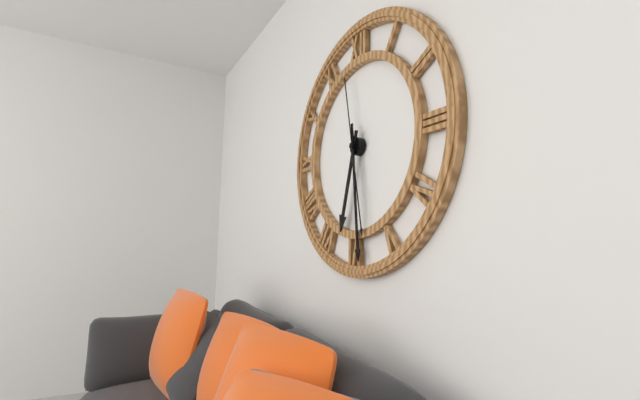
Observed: **6:29:28**
